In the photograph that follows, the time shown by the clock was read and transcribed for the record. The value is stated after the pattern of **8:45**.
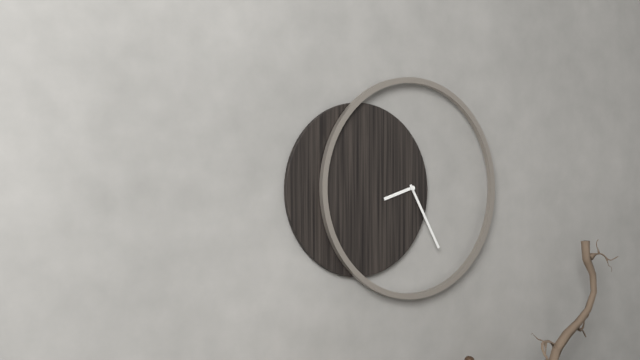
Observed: **8:25**
